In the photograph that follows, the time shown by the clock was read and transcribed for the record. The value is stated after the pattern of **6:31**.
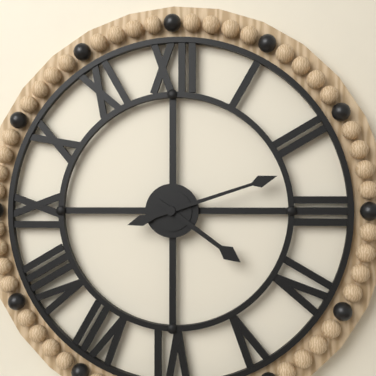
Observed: **4:12**
